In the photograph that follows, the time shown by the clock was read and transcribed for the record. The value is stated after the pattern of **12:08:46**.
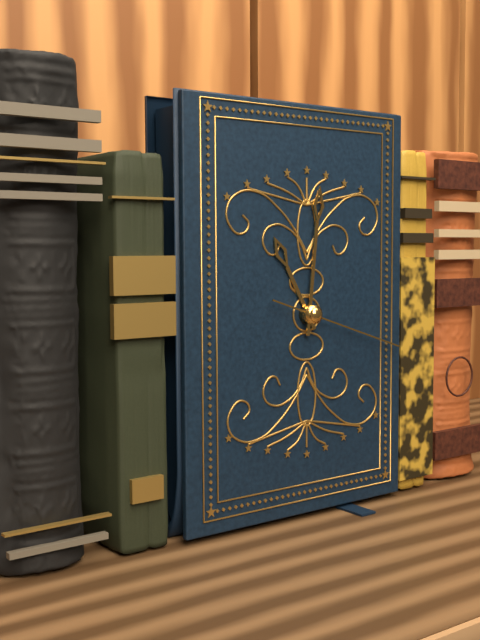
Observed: **11:01:18**
